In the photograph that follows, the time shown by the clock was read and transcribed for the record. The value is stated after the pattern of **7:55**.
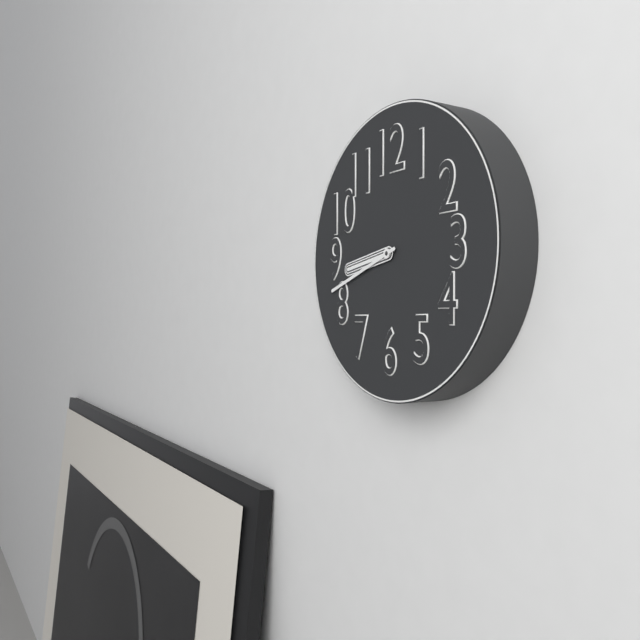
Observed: **8:42**
